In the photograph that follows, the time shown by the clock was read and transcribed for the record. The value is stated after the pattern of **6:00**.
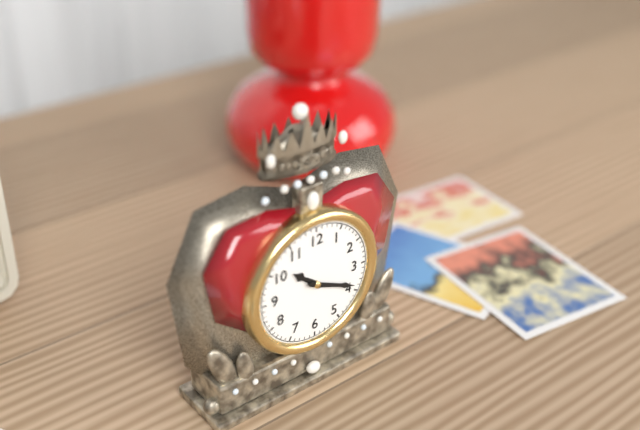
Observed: **10:19**
